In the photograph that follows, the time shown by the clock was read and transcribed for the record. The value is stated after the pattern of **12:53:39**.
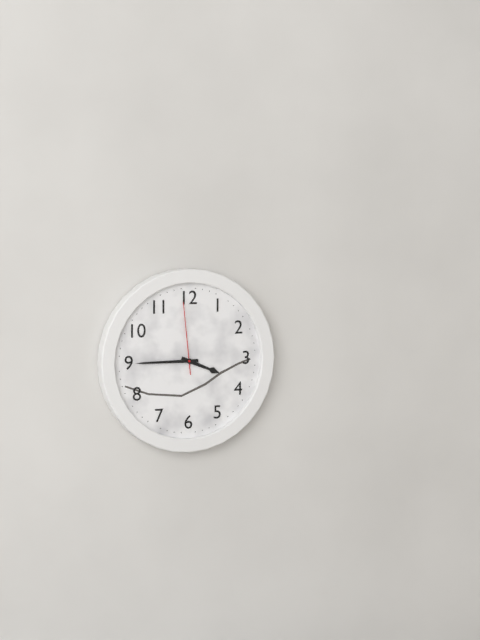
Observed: **3:45:59**
